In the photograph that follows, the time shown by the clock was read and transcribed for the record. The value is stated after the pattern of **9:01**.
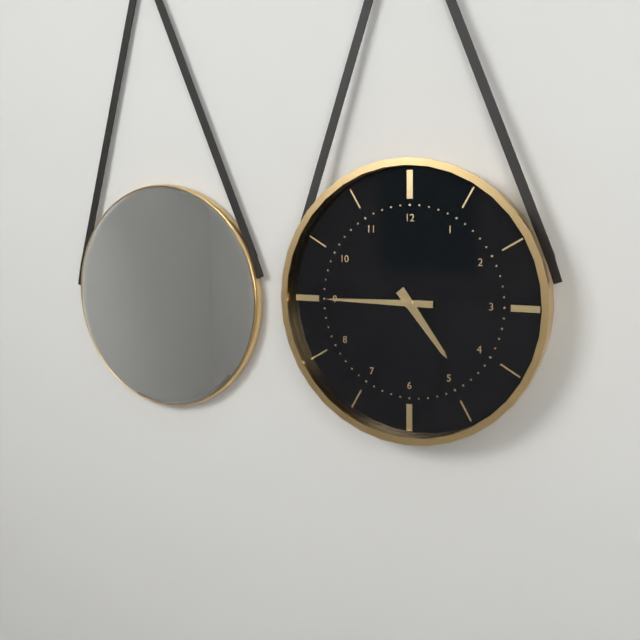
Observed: **4:45**
